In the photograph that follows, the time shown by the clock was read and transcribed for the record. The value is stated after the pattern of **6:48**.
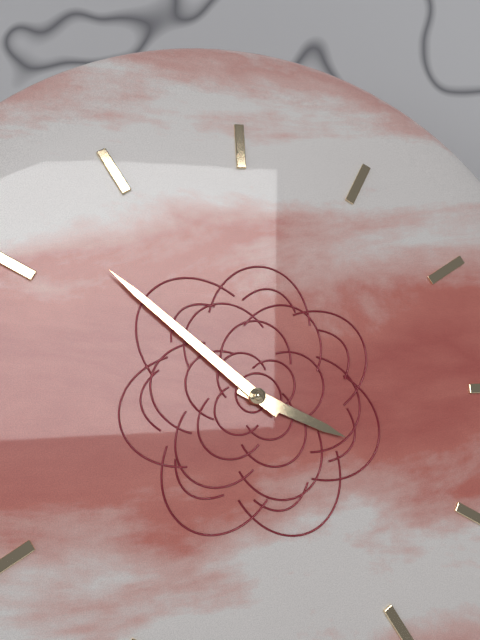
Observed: **3:52**
